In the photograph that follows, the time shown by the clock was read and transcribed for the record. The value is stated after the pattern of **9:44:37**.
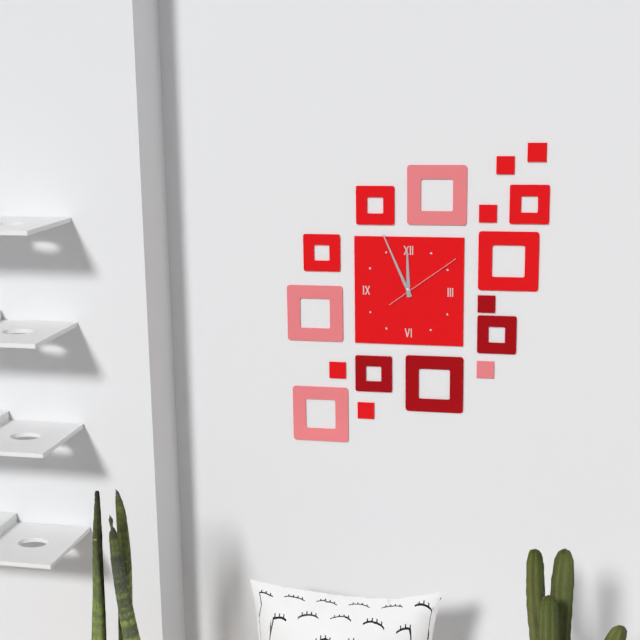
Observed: **11:56:09**
